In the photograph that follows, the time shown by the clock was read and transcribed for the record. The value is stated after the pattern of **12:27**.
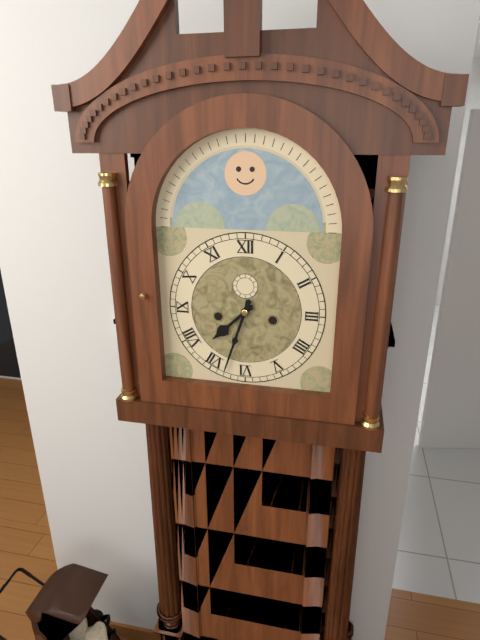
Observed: **7:33**
